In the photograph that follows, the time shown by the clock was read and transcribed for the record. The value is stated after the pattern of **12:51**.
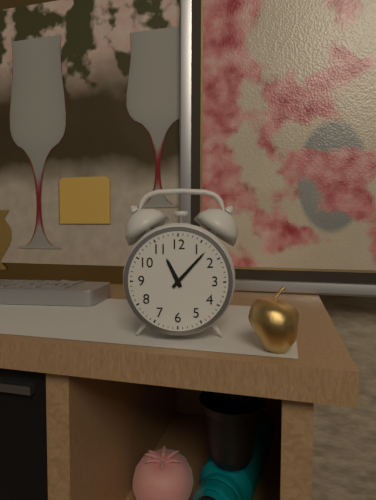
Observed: **11:07**
